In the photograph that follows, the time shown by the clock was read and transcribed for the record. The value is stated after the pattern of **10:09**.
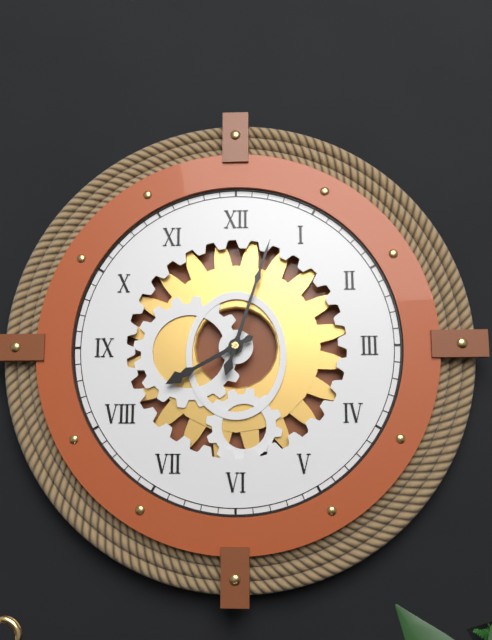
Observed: **8:03**
